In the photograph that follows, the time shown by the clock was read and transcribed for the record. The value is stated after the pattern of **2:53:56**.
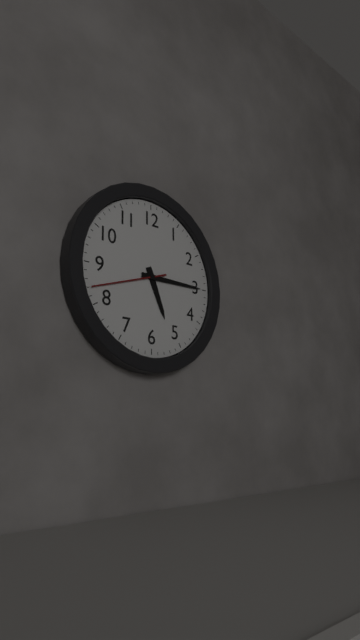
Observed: **5:15:42**
